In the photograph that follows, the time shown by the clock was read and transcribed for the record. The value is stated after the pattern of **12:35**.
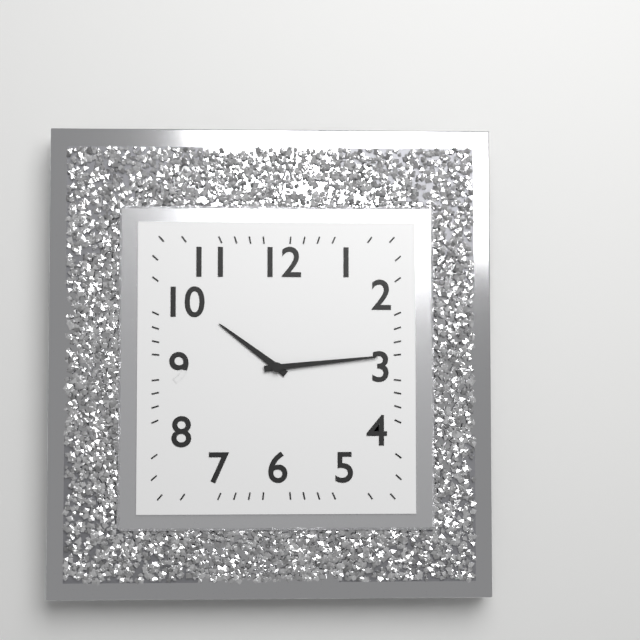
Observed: **10:14**
